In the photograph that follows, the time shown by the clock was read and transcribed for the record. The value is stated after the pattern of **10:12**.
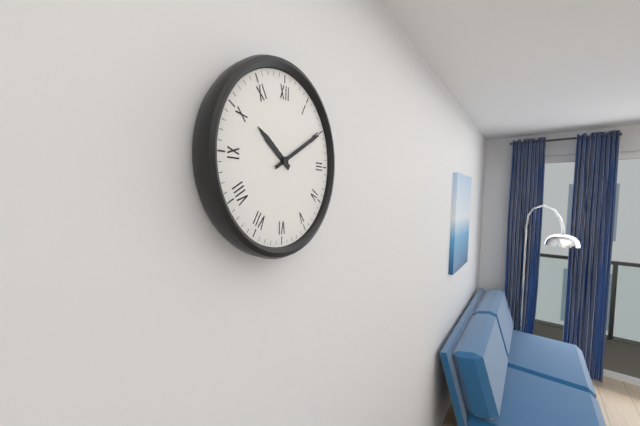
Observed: **10:10**
